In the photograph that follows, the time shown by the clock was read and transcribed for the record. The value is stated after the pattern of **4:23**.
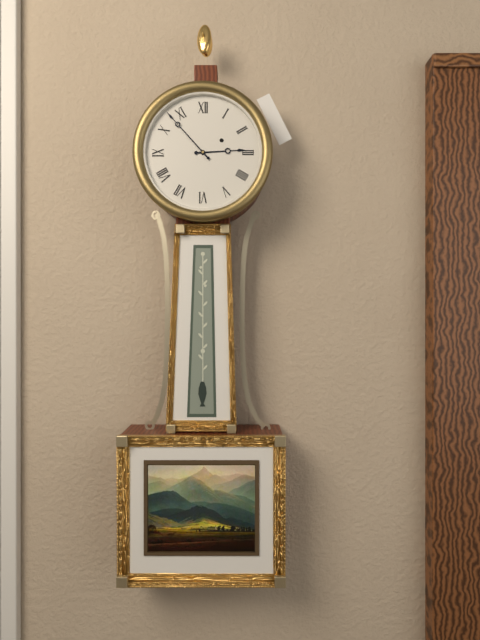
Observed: **2:53**
